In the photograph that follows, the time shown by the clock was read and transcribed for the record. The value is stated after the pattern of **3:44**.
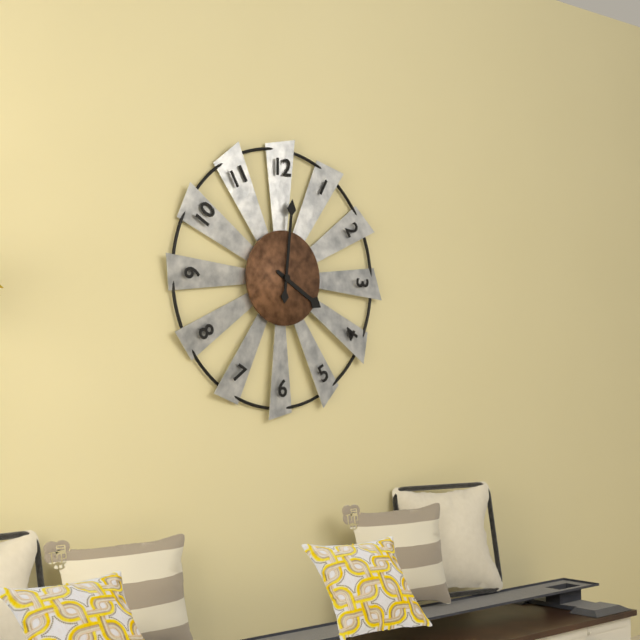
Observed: **4:01**
